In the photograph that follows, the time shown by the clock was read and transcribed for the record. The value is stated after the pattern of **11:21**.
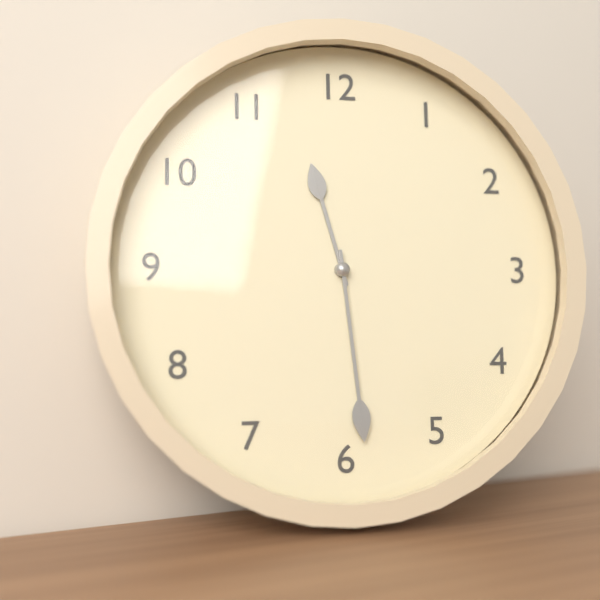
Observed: **11:29**
